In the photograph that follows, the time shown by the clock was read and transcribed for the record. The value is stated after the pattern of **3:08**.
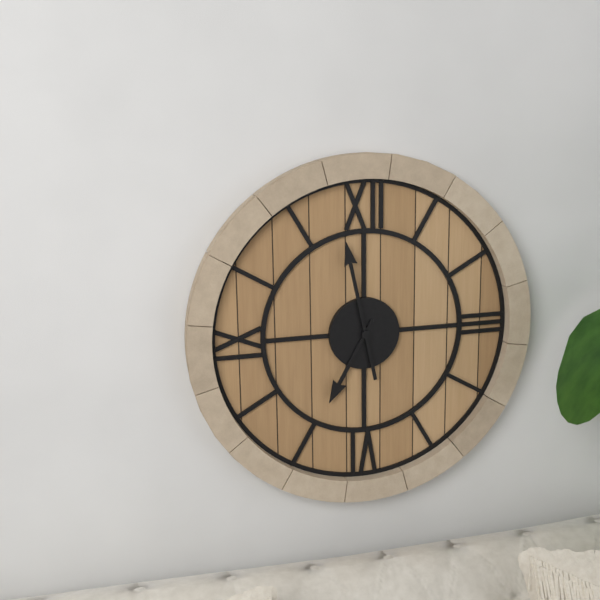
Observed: **6:58**
